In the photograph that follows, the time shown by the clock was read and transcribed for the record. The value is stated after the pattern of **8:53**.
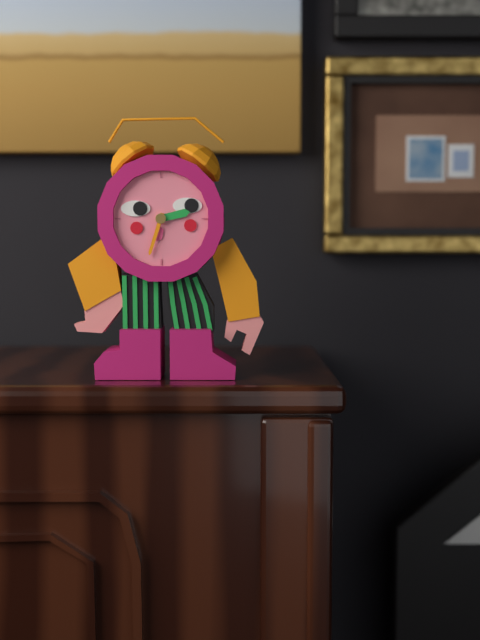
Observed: **2:33**
